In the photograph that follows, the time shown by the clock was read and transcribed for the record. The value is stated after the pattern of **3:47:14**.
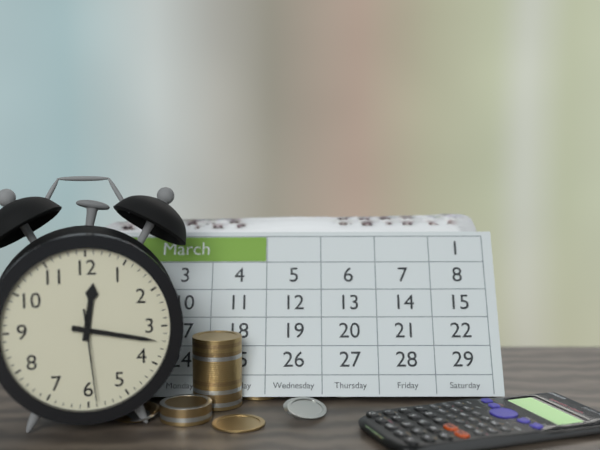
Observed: **12:17:29**
